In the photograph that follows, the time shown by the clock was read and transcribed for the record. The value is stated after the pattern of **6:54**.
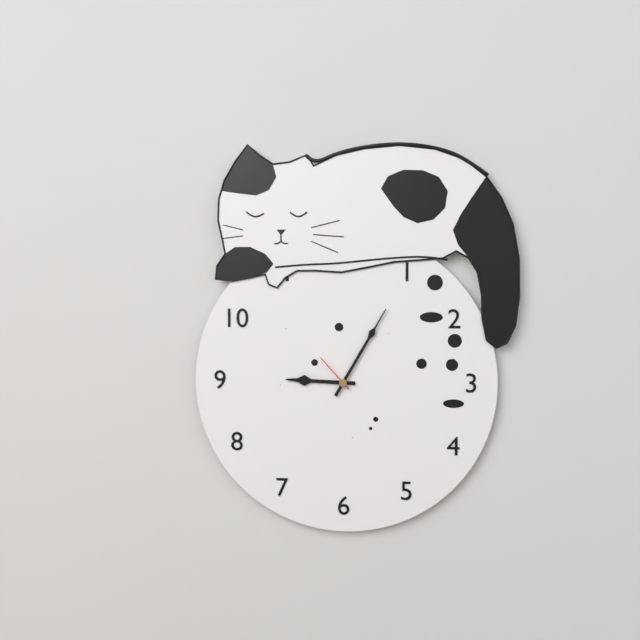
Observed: **9:05**
